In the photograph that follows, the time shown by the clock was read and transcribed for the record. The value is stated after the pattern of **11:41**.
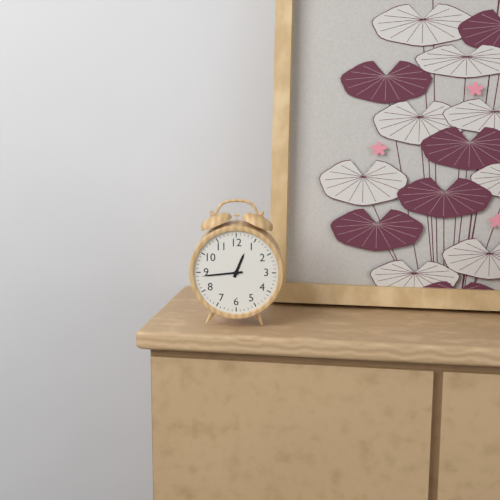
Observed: **12:44**
